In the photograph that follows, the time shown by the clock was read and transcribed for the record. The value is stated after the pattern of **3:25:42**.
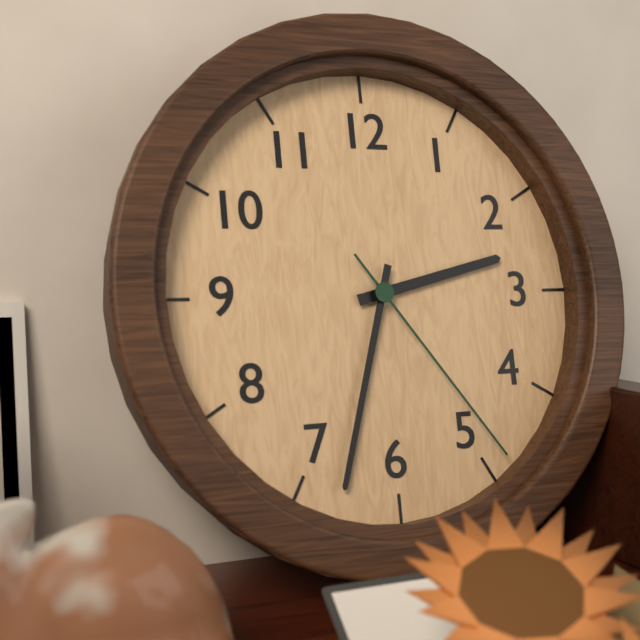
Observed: **2:33:24**
